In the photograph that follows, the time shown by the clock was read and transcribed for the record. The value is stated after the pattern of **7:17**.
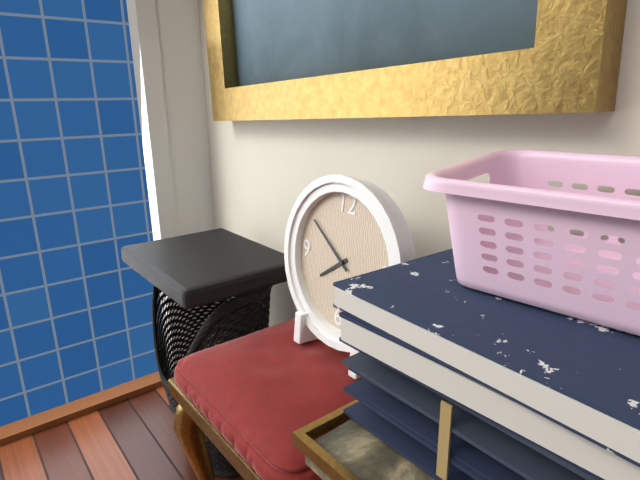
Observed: **7:51**
